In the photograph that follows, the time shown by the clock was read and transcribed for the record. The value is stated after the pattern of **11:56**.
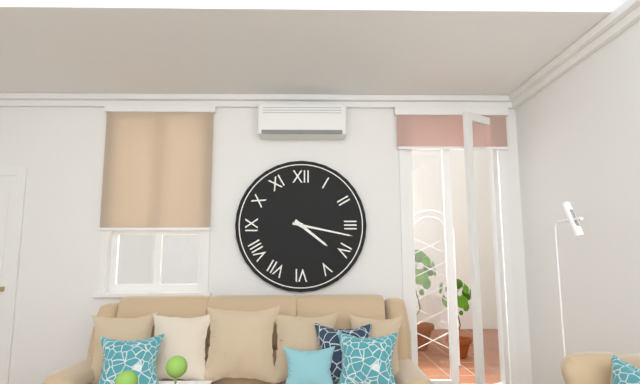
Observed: **4:17**
